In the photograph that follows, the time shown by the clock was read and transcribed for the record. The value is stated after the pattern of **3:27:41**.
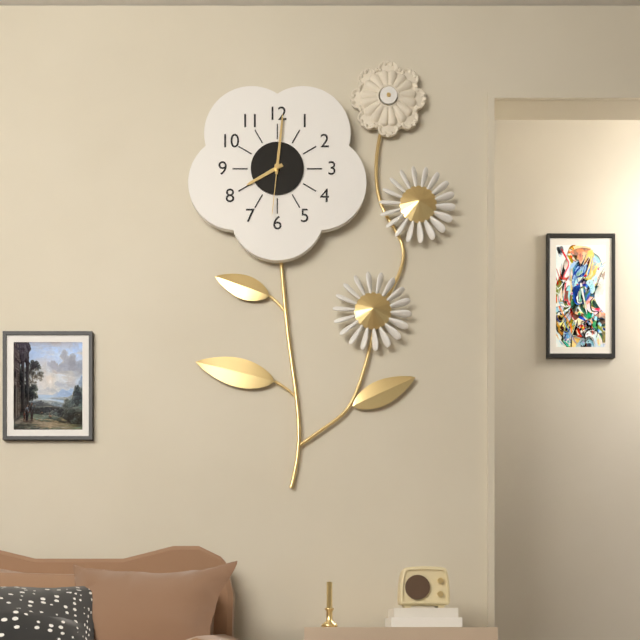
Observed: **8:01:31**
